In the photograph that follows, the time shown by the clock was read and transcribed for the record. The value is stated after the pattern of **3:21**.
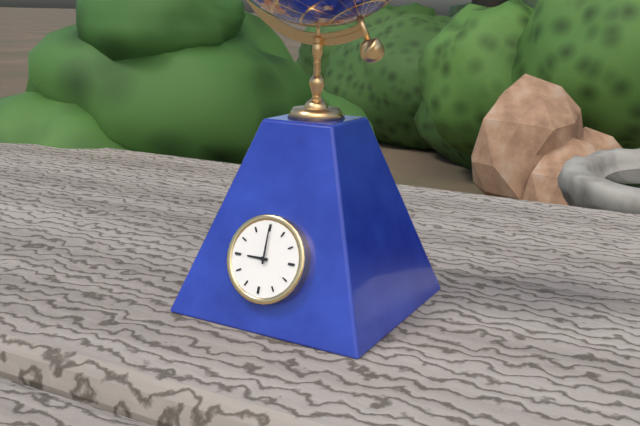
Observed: **9:00**
